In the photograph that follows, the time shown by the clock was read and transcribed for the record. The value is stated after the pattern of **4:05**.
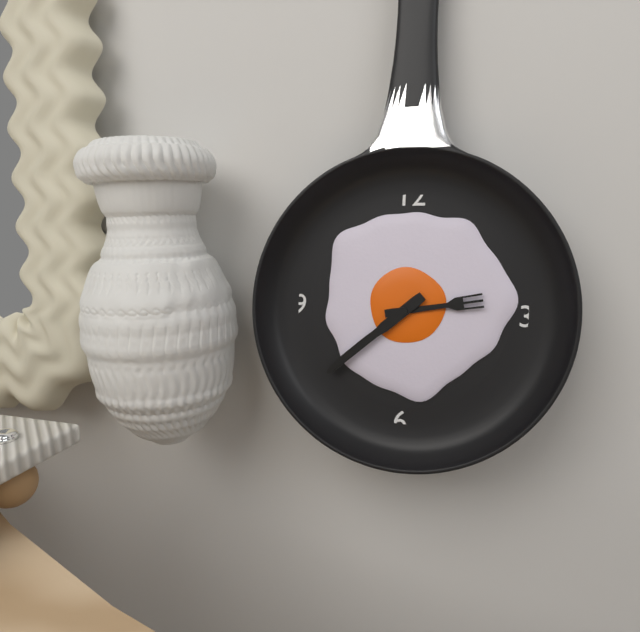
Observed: **2:38**
